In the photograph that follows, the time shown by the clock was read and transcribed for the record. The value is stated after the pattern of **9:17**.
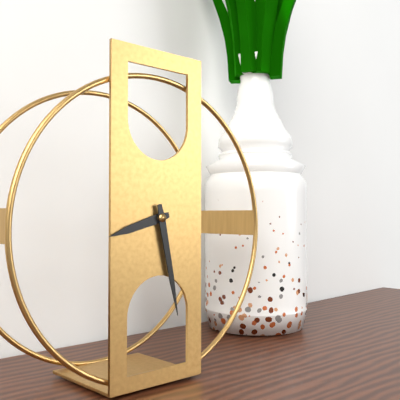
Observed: **8:28**
